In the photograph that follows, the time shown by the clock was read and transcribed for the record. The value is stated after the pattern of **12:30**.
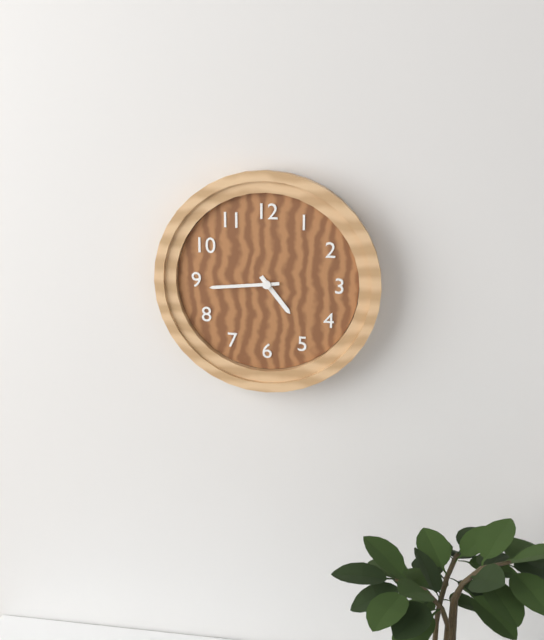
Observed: **4:44**
